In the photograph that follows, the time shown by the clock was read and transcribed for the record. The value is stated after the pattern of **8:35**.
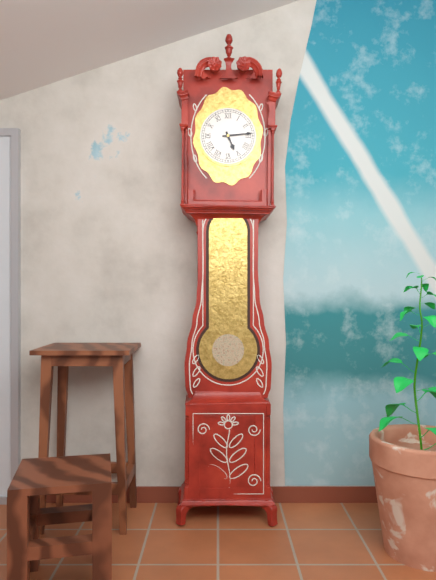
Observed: **5:14**
